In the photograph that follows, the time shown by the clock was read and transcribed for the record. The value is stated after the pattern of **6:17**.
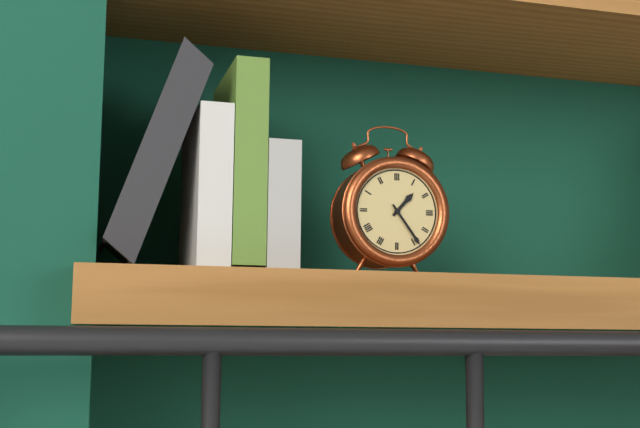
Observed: **1:24**
